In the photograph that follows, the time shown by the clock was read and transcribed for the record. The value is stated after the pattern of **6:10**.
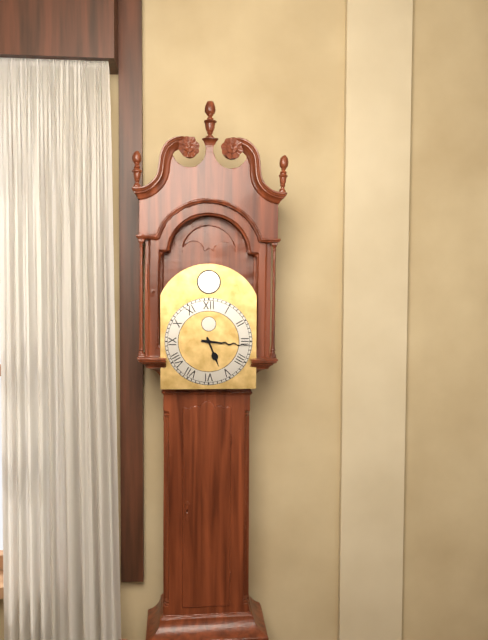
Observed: **5:16**
